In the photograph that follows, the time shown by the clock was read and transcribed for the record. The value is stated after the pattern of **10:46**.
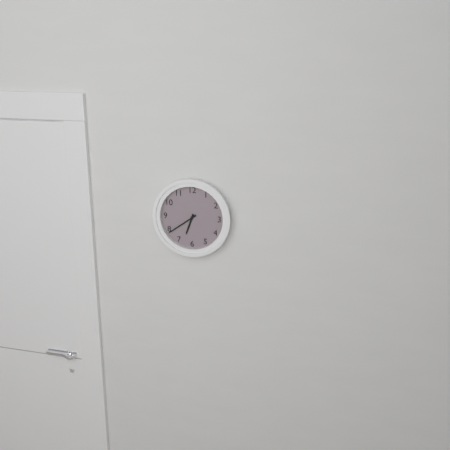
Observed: **6:39**
